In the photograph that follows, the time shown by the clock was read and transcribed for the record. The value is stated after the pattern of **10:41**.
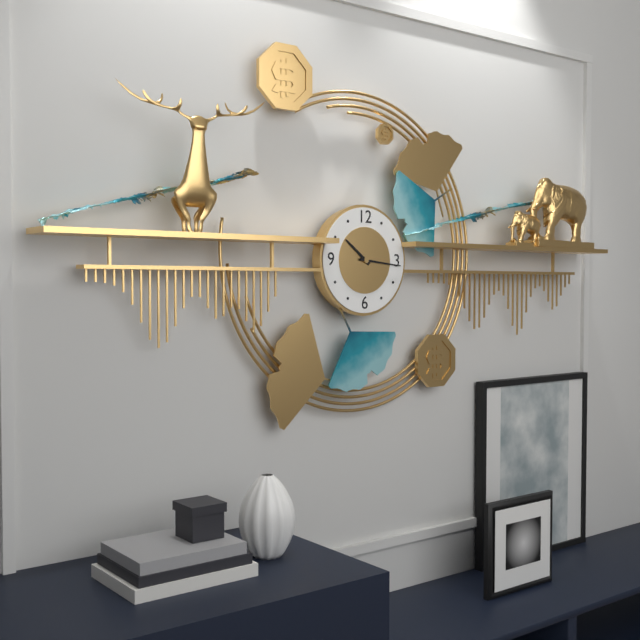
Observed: **10:16**
